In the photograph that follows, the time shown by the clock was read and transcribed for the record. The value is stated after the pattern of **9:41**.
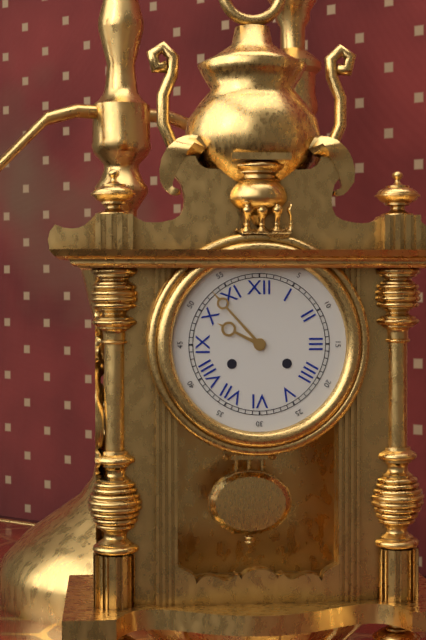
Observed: **9:53**
